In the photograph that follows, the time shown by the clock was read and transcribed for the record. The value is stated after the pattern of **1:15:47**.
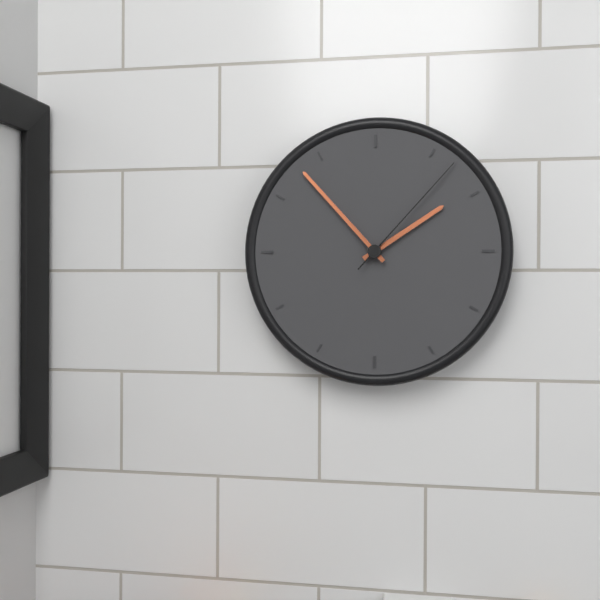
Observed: **1:53:07**
